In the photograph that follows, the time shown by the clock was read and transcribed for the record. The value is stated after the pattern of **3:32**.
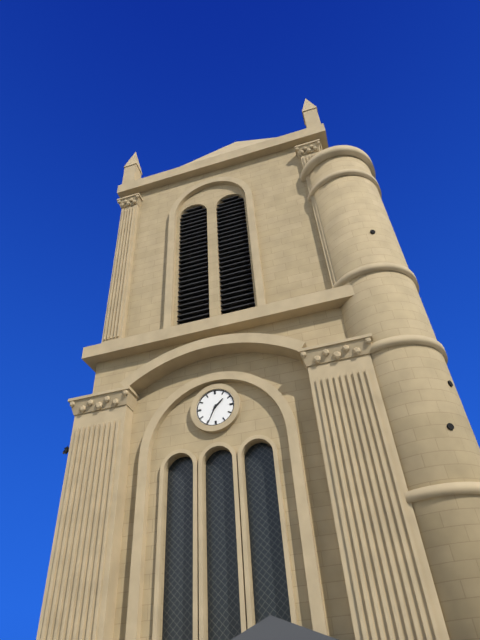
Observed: **1:34**
